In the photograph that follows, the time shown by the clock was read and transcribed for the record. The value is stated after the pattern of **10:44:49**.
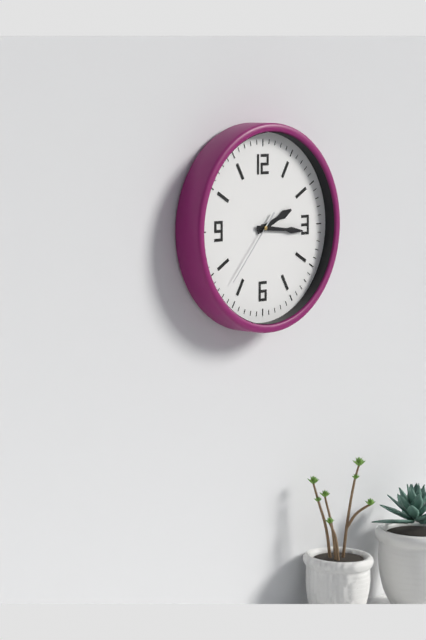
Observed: **2:16:37**
